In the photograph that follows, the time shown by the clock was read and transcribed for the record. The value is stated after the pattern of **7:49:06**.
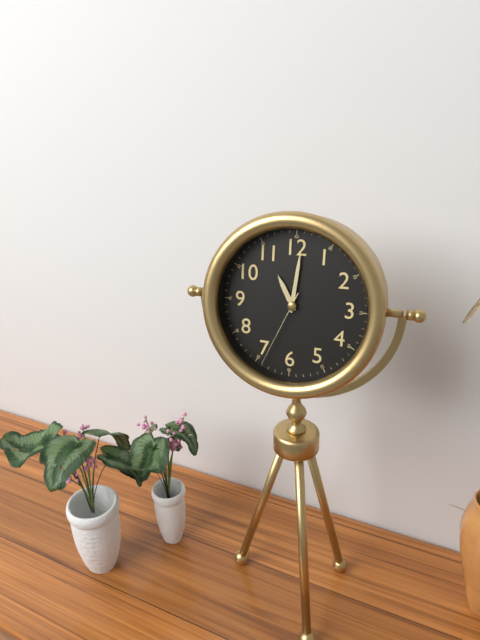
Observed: **11:01:34**
